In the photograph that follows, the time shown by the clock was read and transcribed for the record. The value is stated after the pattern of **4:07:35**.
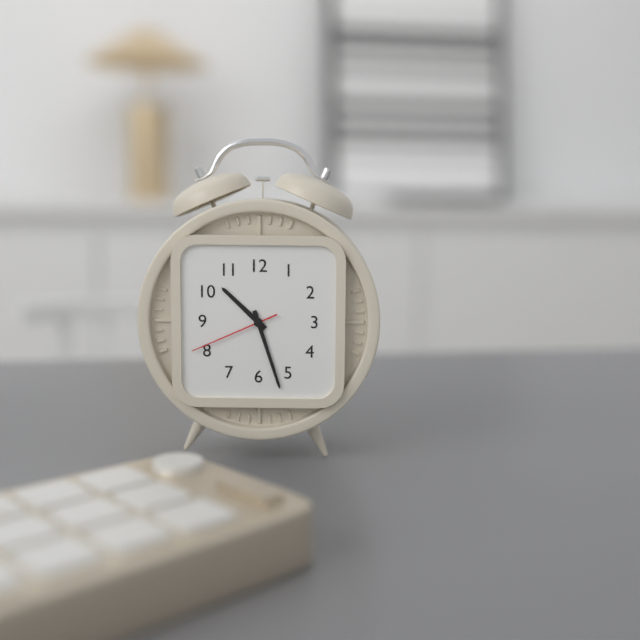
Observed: **10:27:41**
